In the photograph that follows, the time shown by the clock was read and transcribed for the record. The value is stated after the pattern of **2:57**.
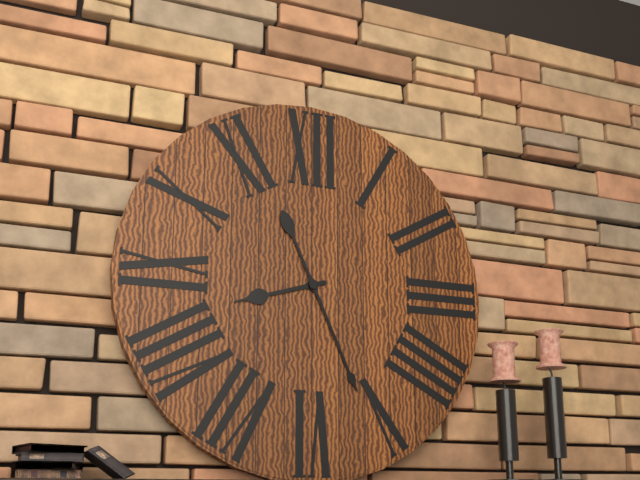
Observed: **8:26**
